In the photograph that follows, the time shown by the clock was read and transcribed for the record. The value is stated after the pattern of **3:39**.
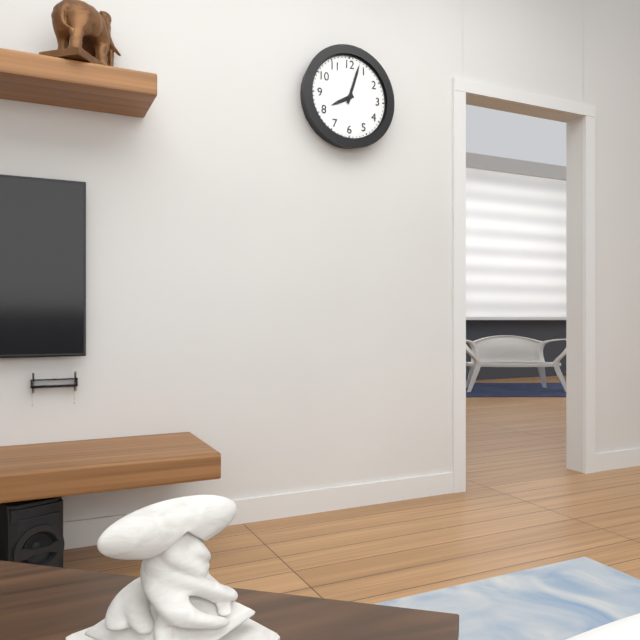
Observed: **8:03**
